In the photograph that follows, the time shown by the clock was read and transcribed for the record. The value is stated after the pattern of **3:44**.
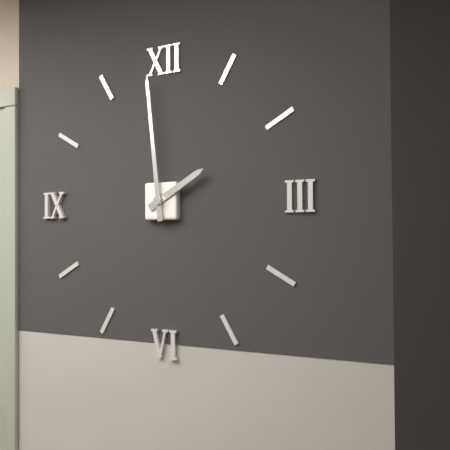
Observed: **1:59**
